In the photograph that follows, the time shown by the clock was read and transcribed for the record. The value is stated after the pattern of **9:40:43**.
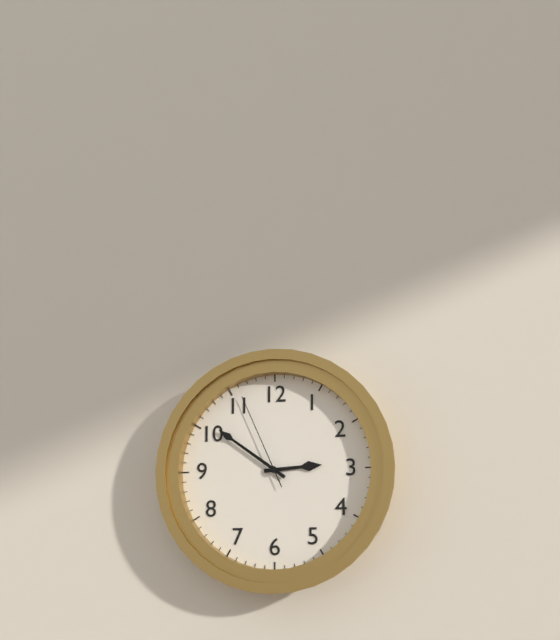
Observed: **2:51:56**
